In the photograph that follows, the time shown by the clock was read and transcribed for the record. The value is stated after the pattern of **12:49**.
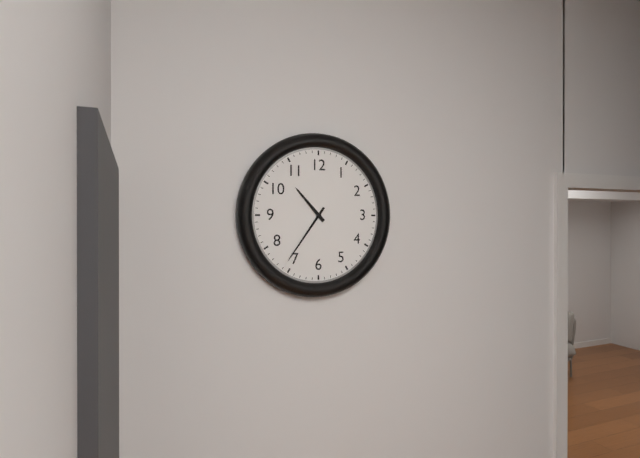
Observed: **10:36**
